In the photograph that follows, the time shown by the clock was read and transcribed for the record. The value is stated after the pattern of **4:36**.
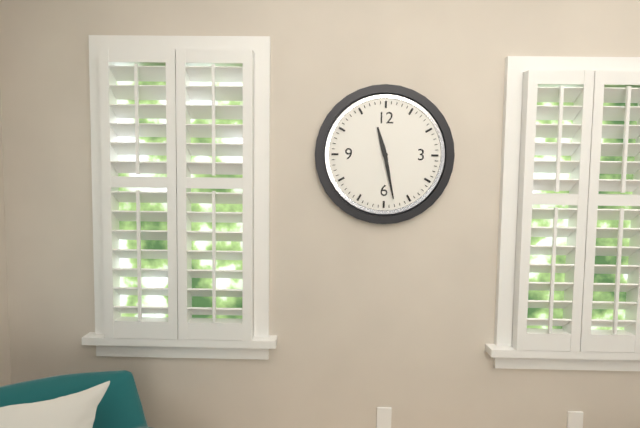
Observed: **11:28**
